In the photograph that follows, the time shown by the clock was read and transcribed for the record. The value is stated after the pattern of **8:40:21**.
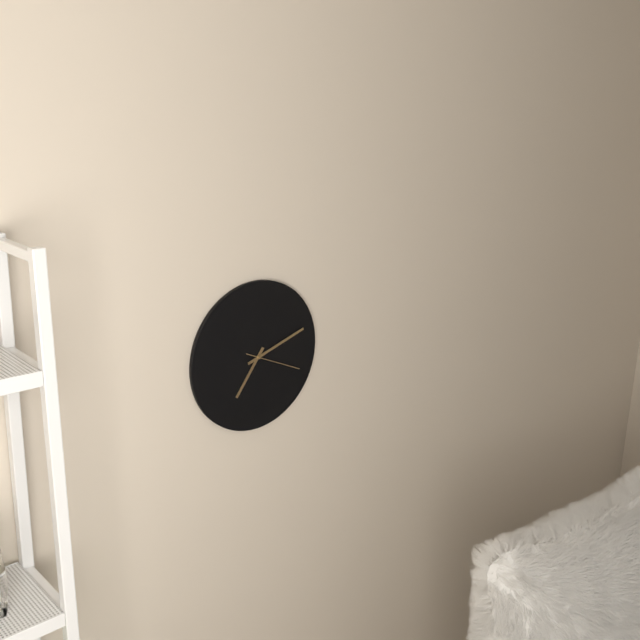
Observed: **7:12:19**
